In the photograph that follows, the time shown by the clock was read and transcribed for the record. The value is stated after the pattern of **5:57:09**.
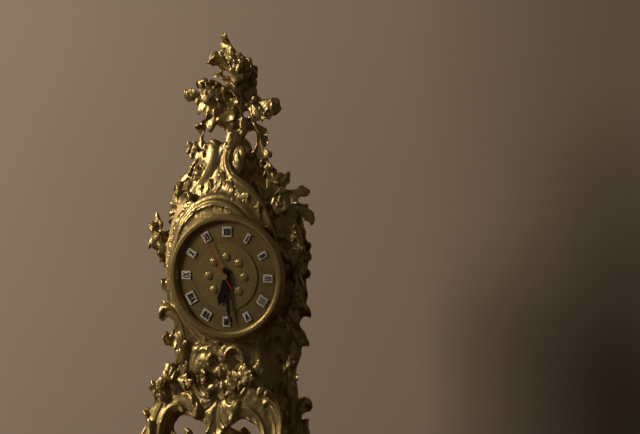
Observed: **6:29:55**
